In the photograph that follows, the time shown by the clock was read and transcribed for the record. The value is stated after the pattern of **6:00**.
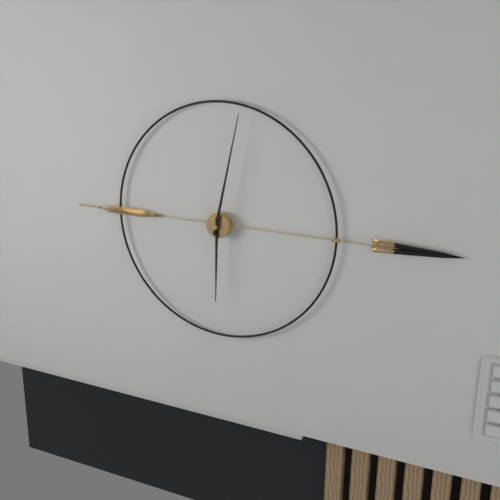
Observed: **6:02**
